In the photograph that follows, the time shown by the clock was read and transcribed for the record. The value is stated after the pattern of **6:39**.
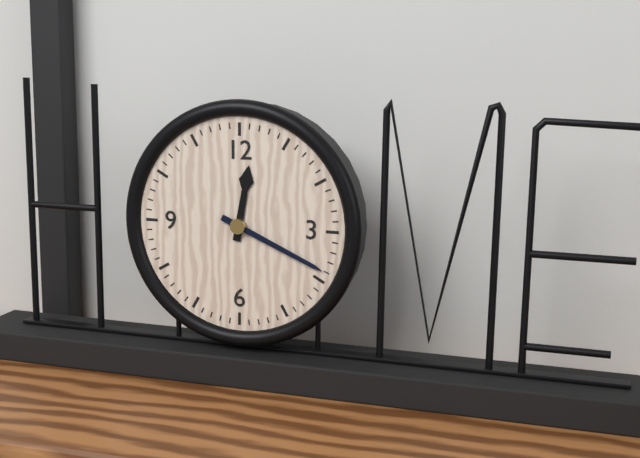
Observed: **12:19**
